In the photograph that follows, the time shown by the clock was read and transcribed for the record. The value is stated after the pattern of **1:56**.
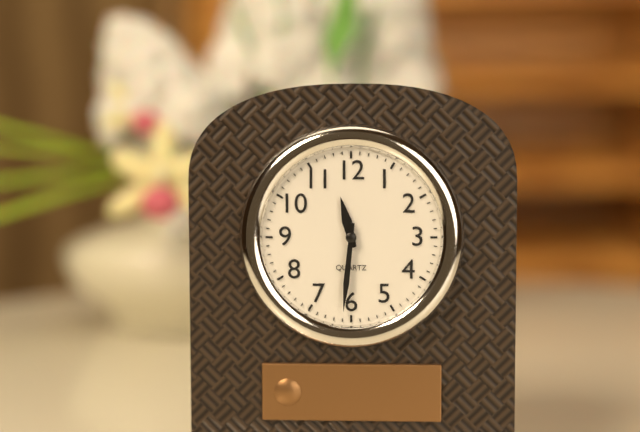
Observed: **11:31**
